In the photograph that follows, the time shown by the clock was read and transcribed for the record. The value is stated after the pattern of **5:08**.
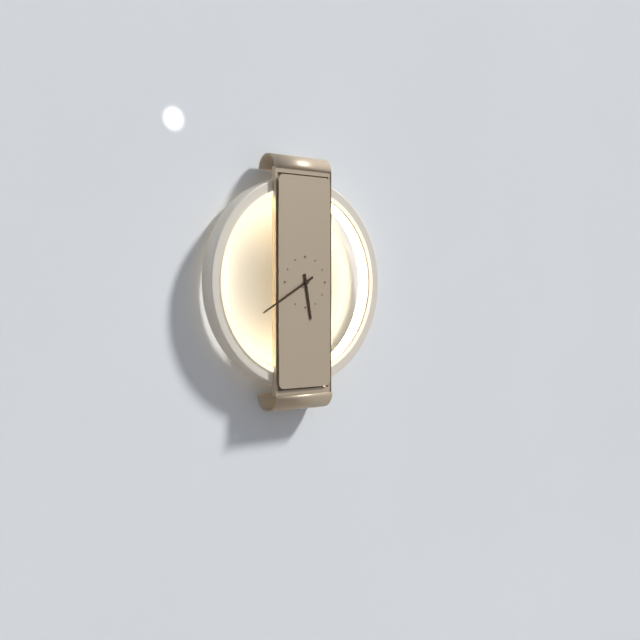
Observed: **5:40**
